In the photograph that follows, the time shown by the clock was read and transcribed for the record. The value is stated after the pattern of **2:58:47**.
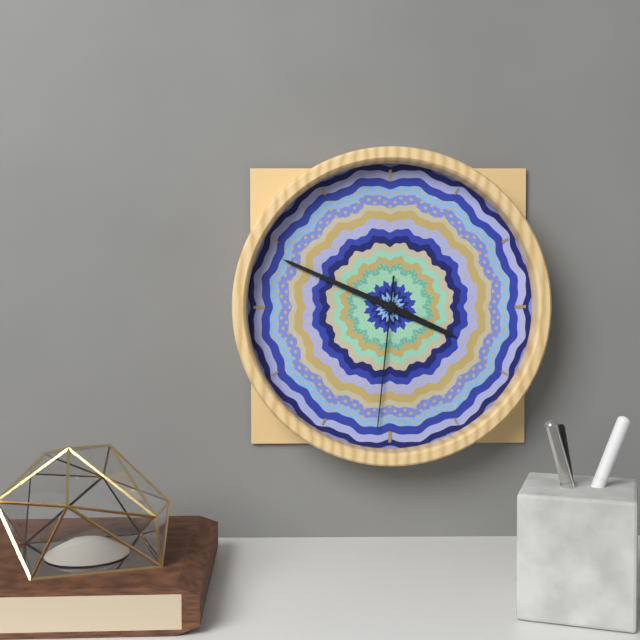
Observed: **3:49:31**
